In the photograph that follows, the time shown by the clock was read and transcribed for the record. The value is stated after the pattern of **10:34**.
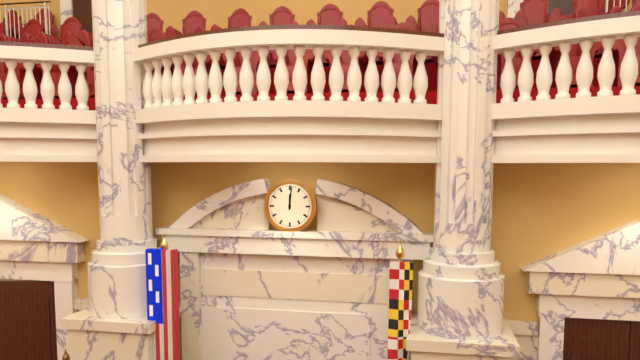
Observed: **12:01**
